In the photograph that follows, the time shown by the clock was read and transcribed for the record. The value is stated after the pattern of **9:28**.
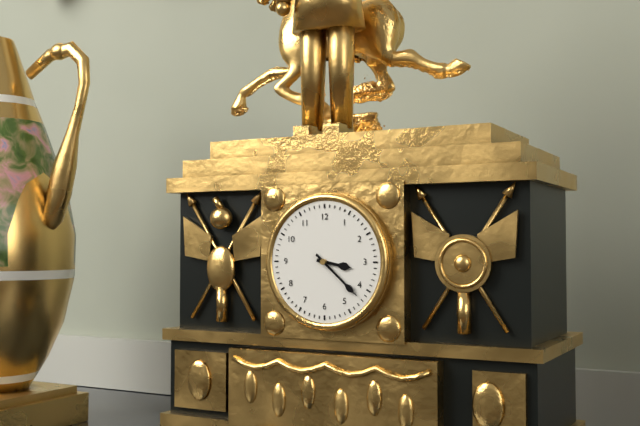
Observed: **3:22**
